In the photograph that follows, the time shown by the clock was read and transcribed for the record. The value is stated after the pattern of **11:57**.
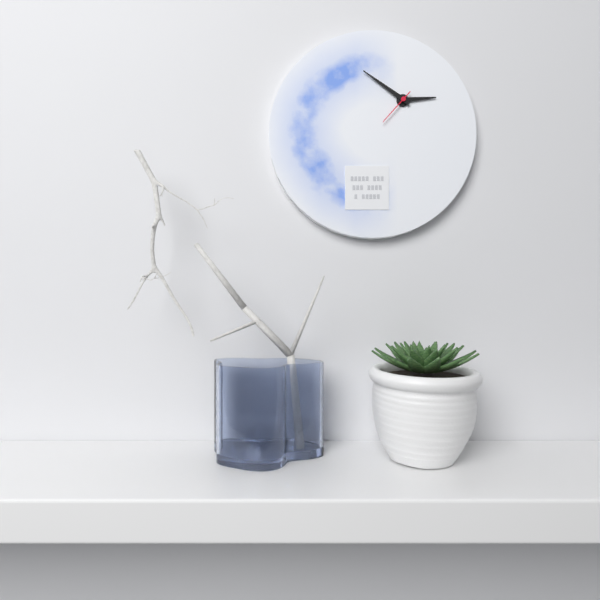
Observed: **2:51**
